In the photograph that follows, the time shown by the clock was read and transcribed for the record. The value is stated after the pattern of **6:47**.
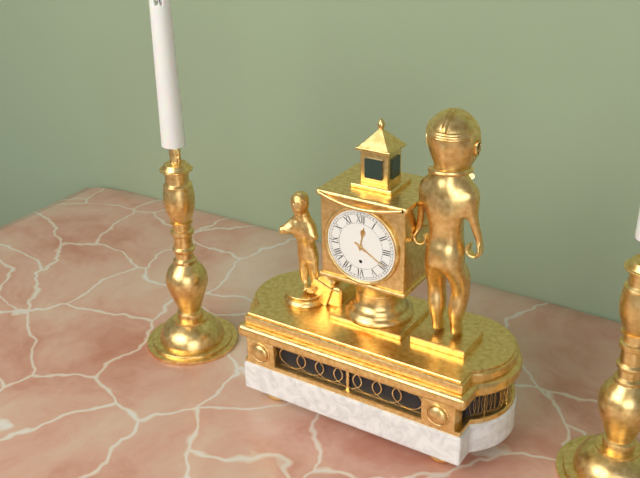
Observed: **12:20**
